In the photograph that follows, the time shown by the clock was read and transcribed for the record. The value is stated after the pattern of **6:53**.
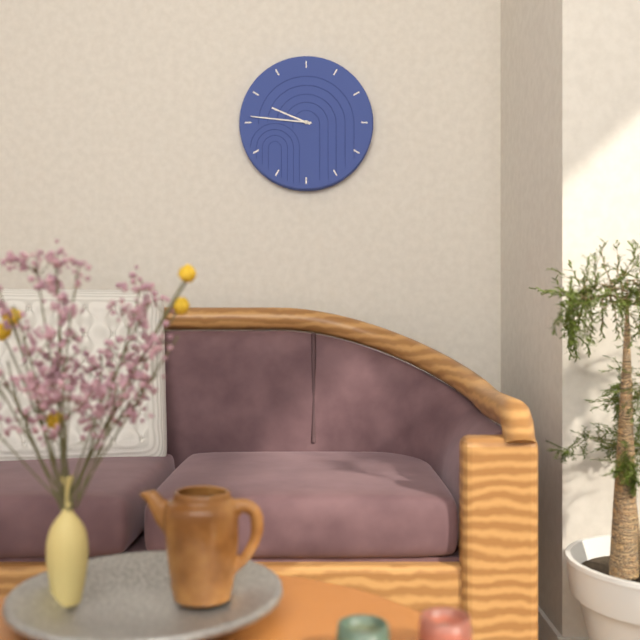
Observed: **9:46**
